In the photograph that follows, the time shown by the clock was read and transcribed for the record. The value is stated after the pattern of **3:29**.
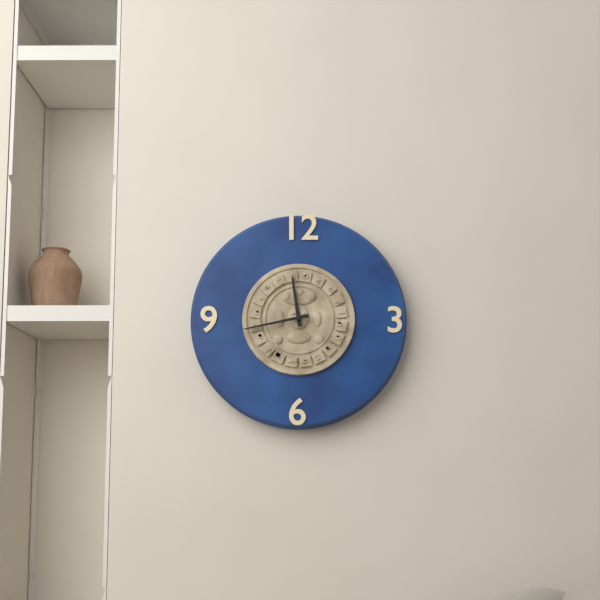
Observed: **11:43**
